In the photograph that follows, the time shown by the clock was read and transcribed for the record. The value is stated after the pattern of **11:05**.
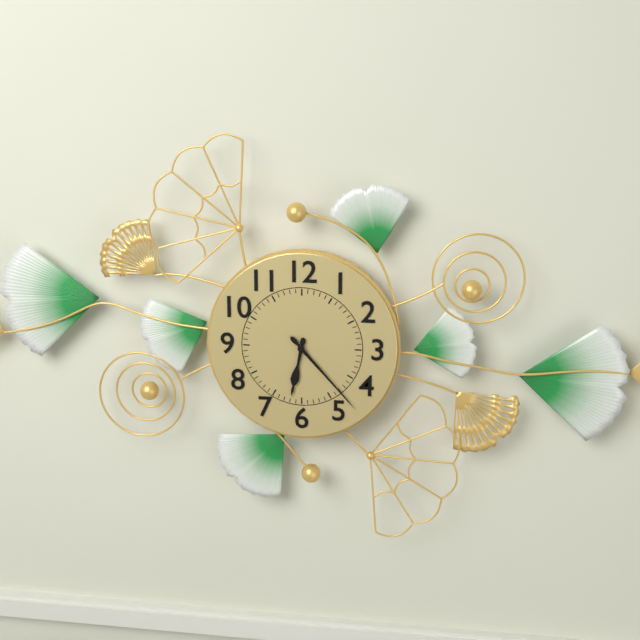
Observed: **6:23**
